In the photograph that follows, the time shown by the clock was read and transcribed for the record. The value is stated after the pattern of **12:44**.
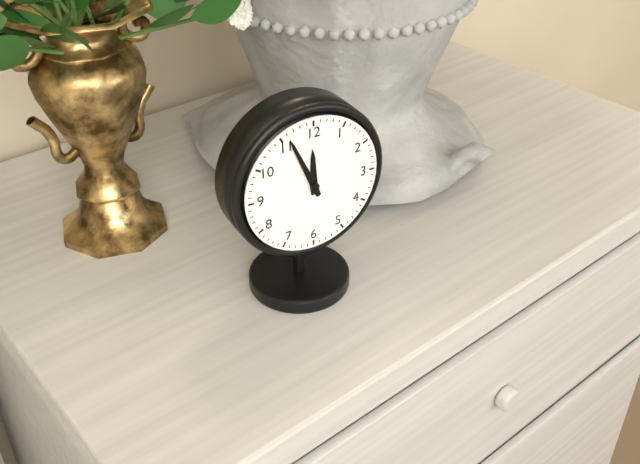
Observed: **11:56**
